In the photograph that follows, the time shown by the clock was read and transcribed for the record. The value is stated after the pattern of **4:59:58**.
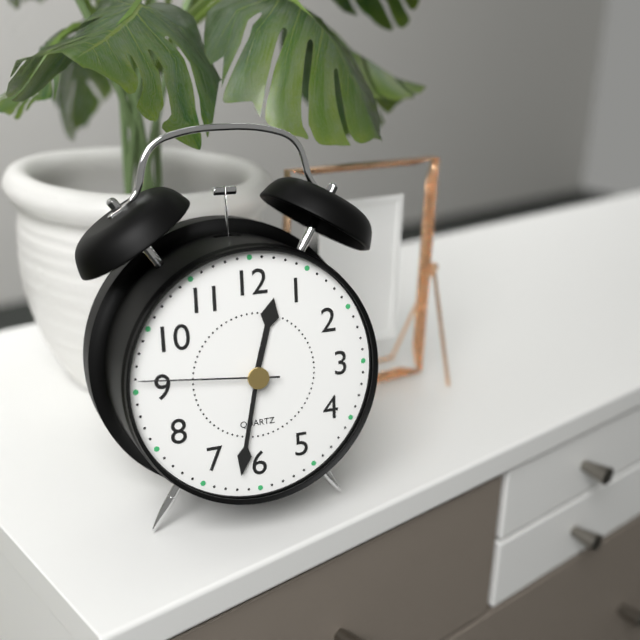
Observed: **12:32:46**
